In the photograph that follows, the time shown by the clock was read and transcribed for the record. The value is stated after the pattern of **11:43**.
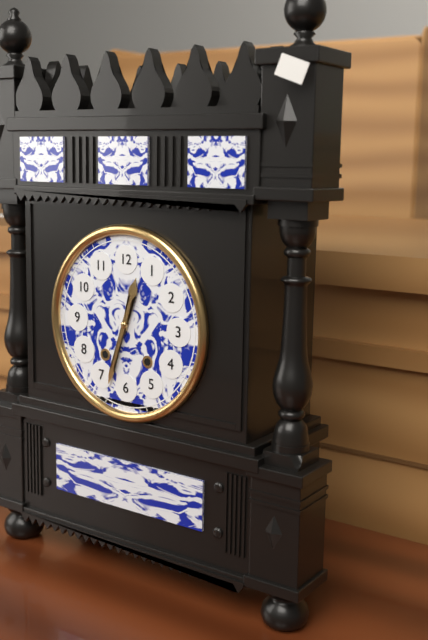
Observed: **12:33**
